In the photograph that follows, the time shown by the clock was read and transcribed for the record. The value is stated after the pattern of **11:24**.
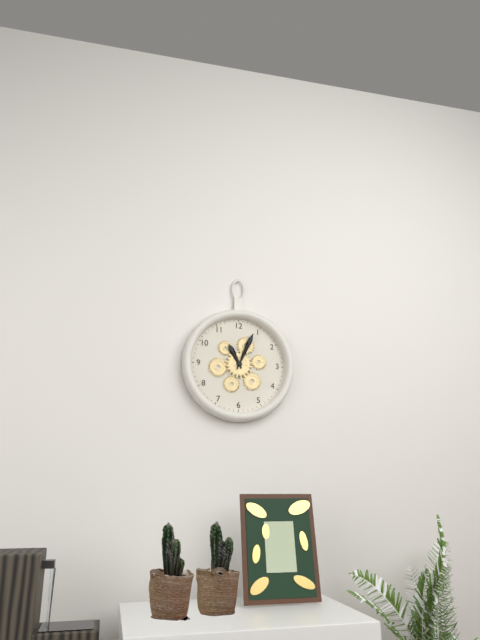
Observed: **11:04**
